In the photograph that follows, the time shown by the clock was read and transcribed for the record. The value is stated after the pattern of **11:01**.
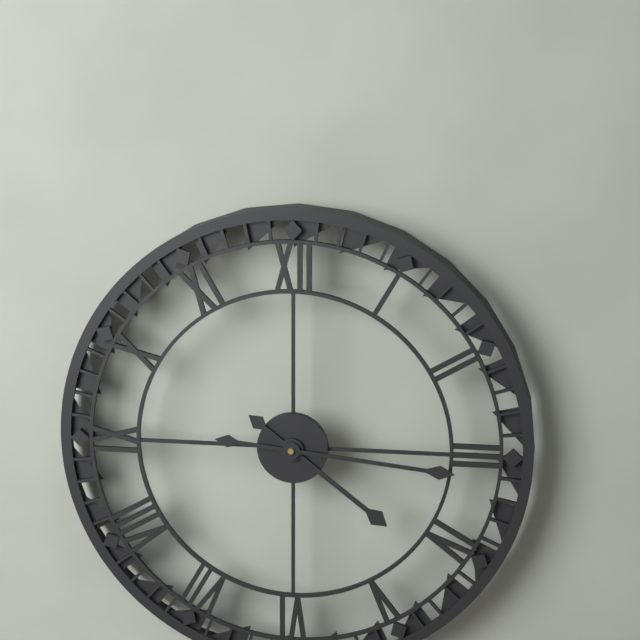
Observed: **4:16**
